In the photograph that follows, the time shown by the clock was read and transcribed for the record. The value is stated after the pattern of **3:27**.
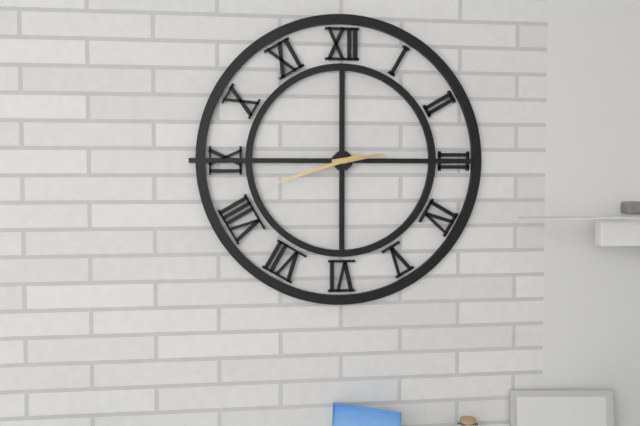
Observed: **2:42**
